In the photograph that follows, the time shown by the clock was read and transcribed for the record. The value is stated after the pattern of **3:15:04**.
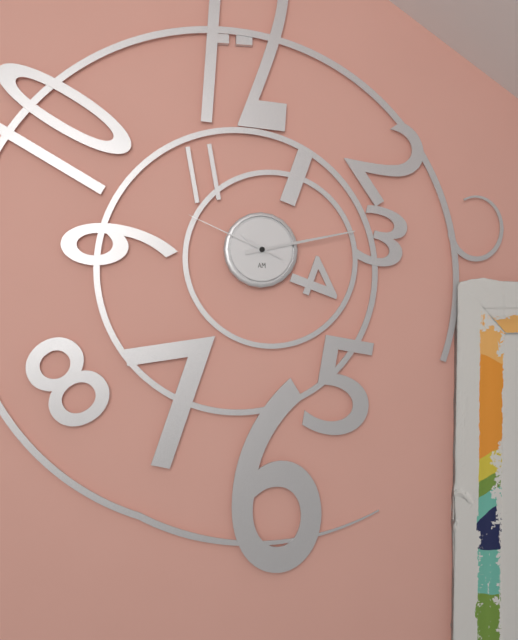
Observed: **10:13:49**
